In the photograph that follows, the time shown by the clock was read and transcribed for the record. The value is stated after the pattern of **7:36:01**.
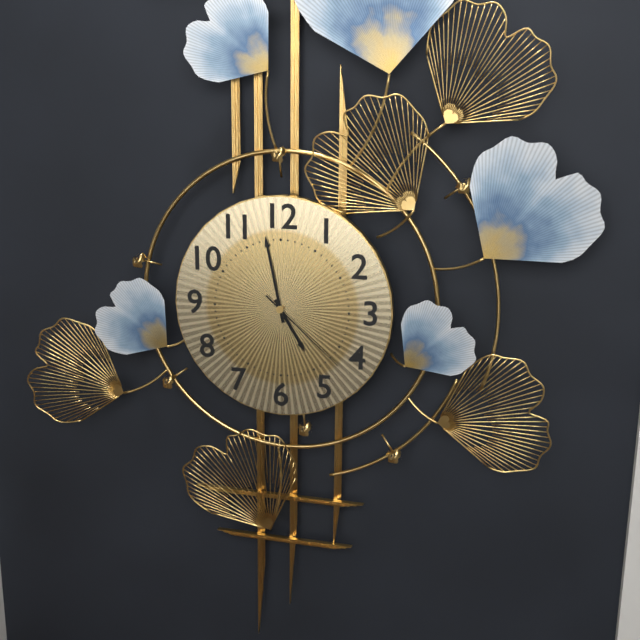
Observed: **4:58:22**
